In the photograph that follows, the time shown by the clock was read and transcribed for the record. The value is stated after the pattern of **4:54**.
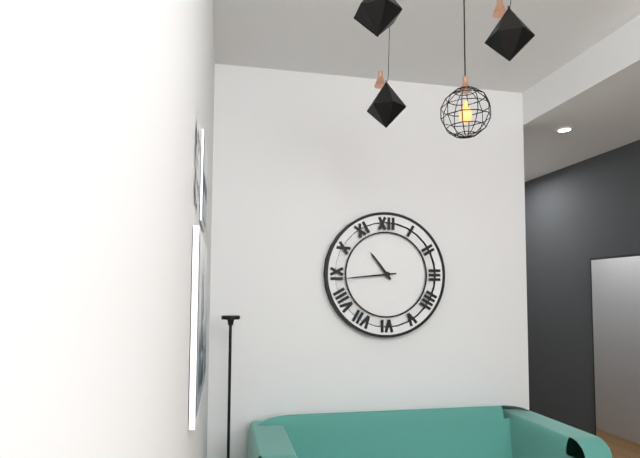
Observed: **10:44**
